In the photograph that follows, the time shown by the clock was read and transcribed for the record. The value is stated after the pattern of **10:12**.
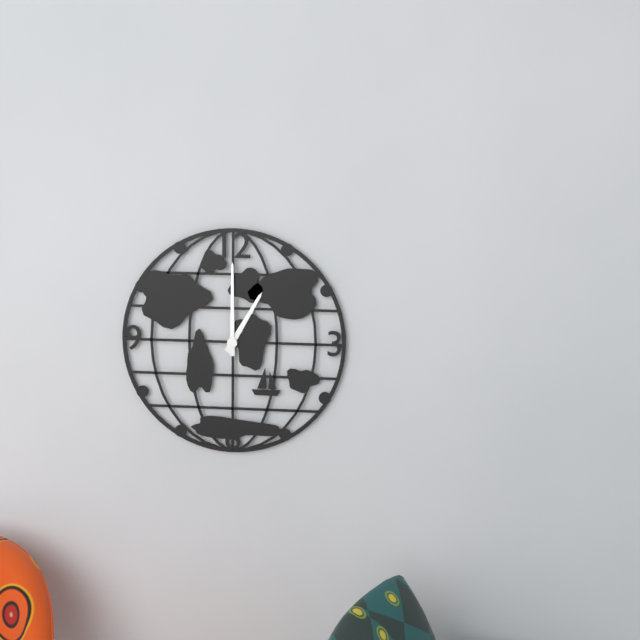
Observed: **1:00**
